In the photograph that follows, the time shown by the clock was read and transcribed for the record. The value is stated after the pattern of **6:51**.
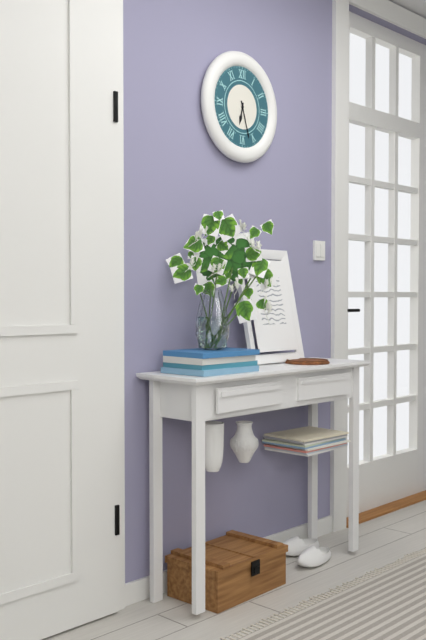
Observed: **6:27**
